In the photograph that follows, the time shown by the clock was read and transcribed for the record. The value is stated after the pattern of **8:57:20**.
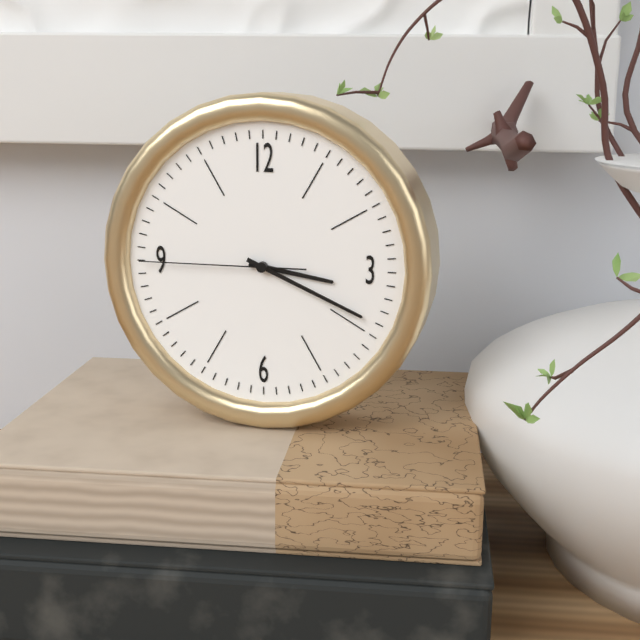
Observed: **3:19:45**
